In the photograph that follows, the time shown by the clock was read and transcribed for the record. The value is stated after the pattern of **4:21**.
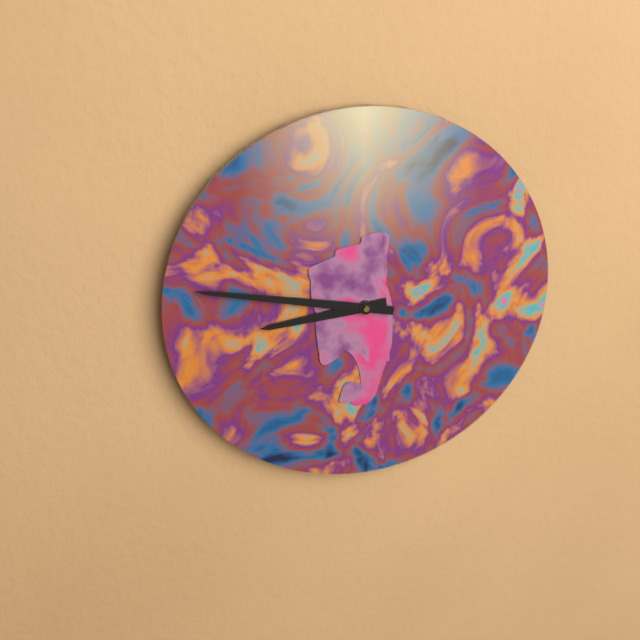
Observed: **8:47**
